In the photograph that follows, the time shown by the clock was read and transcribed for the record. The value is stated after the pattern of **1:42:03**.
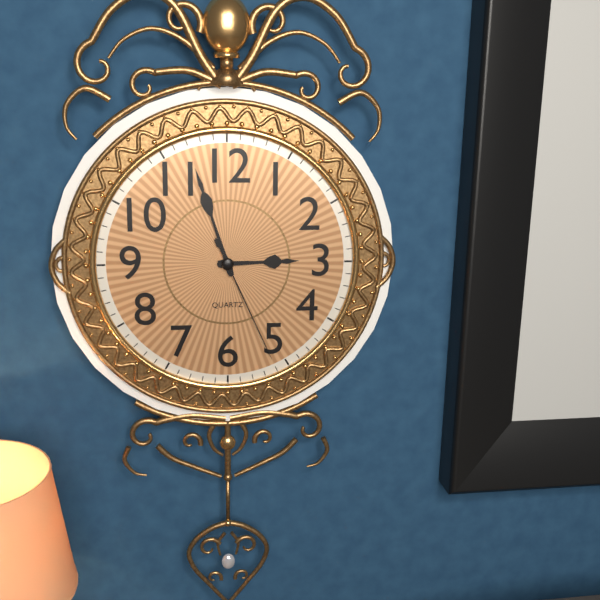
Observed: **2:57:26**
